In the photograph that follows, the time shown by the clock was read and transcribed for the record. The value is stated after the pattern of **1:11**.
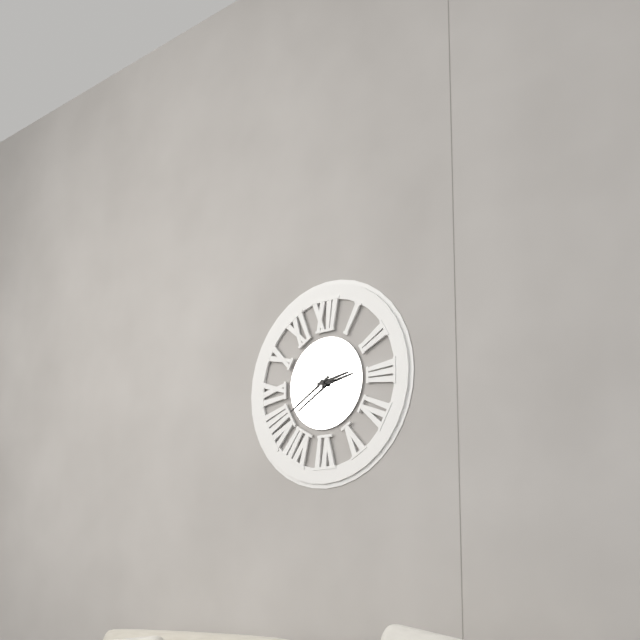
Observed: **2:40**
